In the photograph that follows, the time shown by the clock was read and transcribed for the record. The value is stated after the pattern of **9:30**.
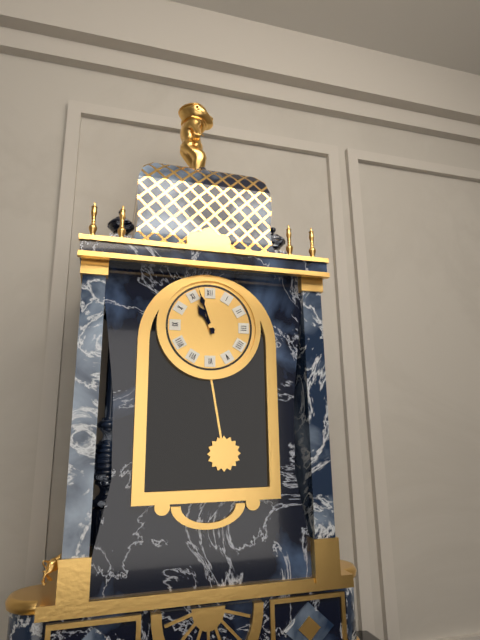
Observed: **10:57**
